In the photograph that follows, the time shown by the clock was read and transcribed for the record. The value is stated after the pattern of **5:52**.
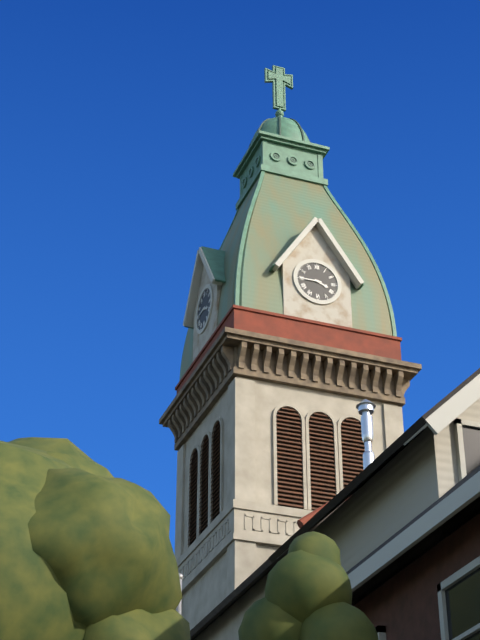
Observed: **3:45**
